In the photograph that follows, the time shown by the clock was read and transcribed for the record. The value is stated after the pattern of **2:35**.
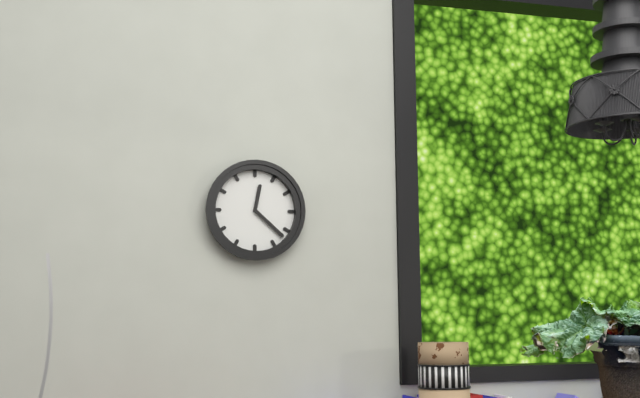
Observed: **12:22**
